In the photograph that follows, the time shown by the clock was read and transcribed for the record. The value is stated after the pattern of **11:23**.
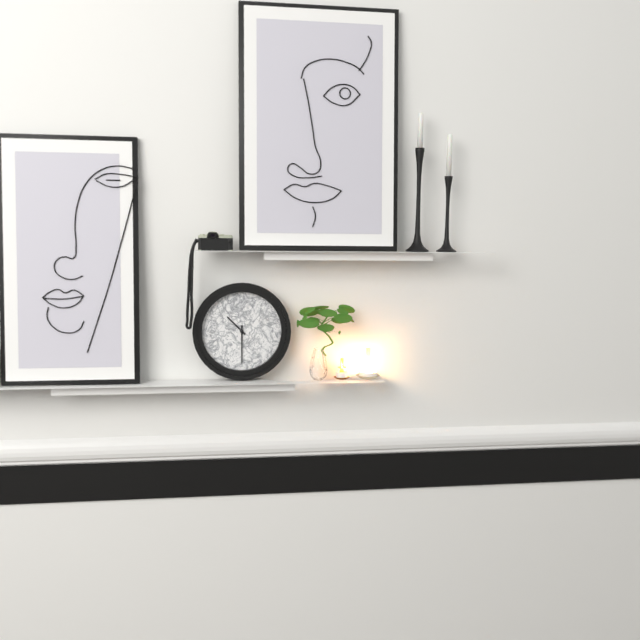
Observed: **10:30**
